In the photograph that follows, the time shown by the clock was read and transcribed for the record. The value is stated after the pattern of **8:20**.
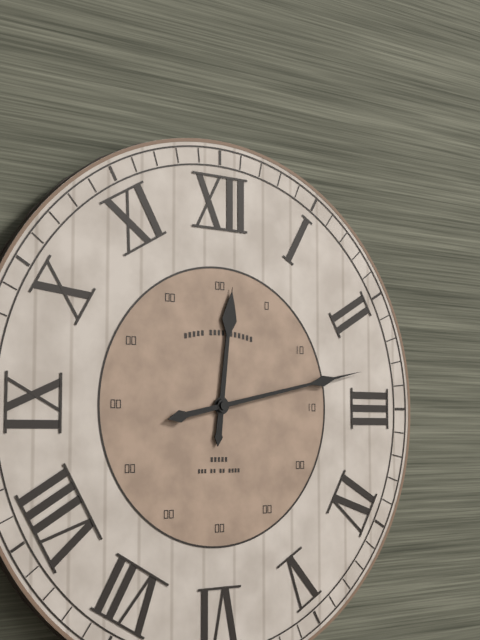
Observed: **12:13**
